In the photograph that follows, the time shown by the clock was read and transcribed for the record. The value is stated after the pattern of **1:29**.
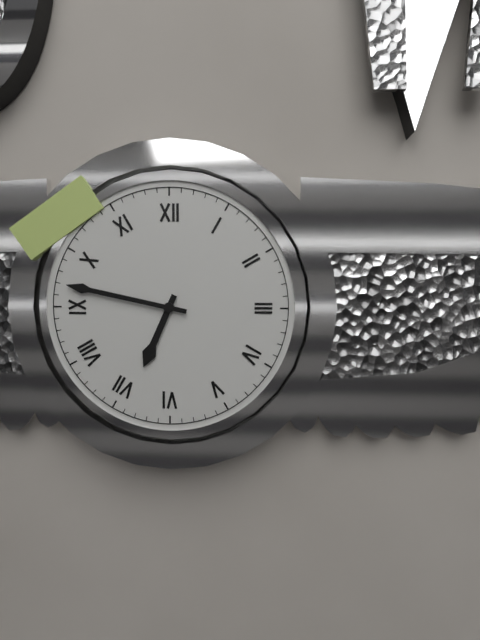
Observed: **6:47**
